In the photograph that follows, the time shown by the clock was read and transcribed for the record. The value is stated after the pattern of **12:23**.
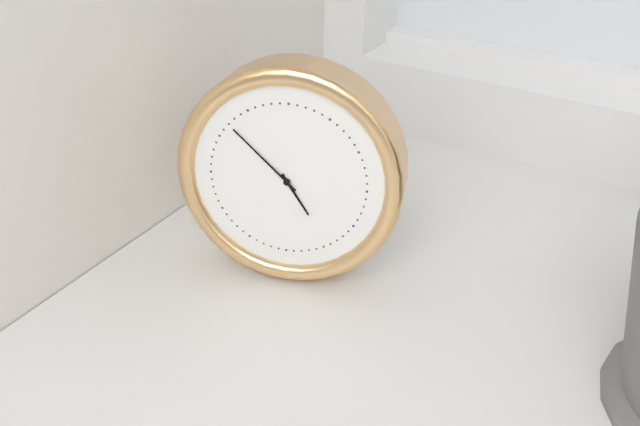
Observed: **4:52**
